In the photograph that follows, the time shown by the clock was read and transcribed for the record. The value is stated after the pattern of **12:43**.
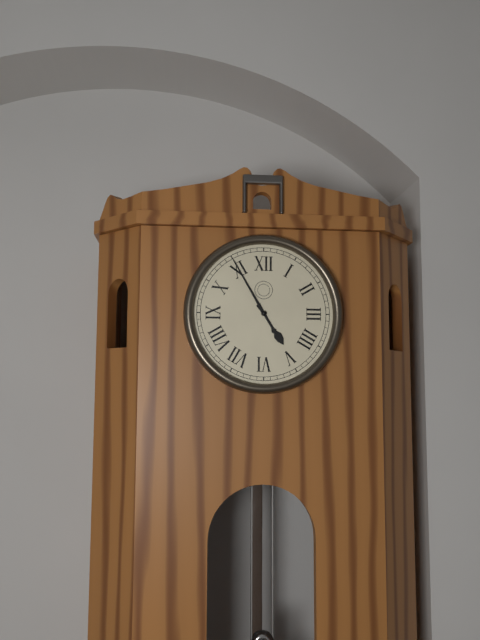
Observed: **4:55**
